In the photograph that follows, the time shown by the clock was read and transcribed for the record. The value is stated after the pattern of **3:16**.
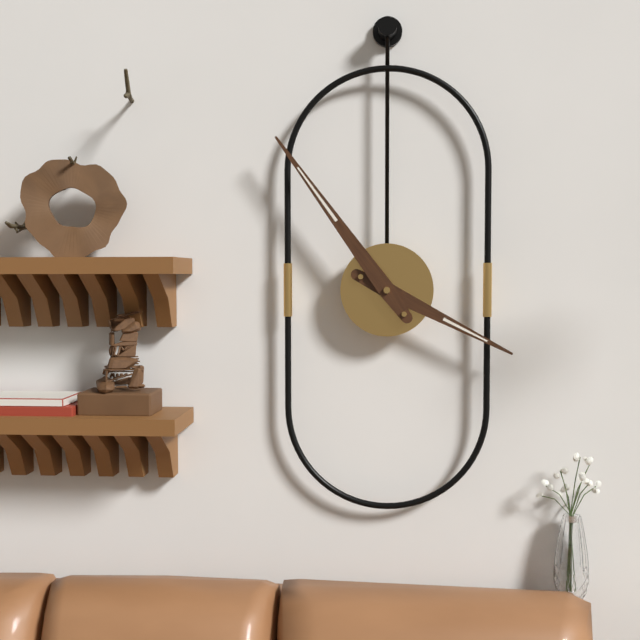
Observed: **3:54**
